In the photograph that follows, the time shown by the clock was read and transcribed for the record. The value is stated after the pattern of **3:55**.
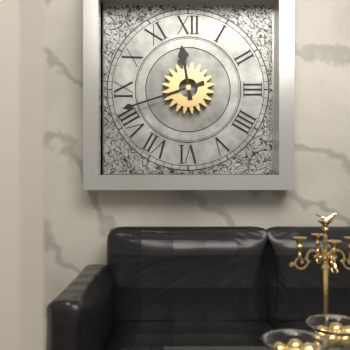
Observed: **11:42**
